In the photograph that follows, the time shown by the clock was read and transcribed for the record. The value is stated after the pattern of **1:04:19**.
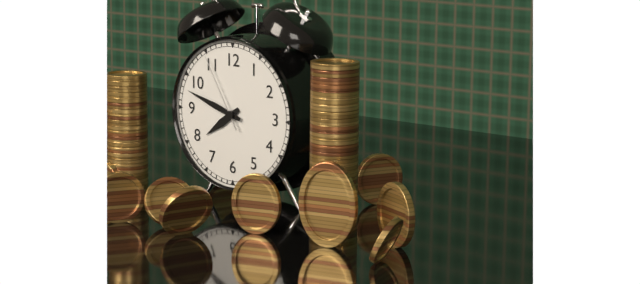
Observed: **7:48:55**
